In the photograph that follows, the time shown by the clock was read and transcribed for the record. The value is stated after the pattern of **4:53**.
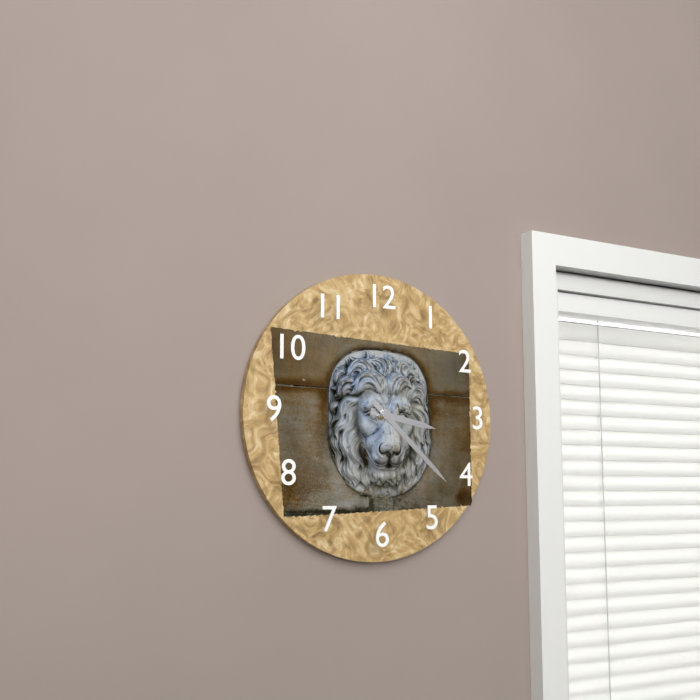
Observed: **3:22**
